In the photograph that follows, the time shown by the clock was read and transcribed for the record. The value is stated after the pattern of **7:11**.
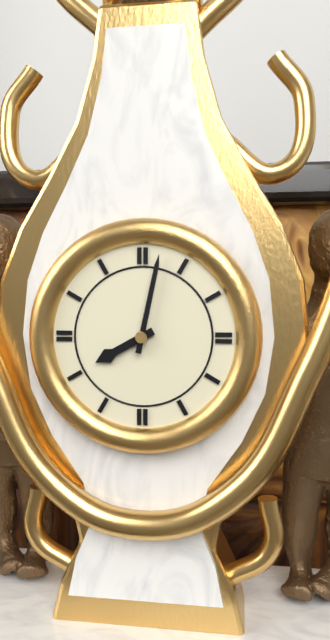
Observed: **8:02**
